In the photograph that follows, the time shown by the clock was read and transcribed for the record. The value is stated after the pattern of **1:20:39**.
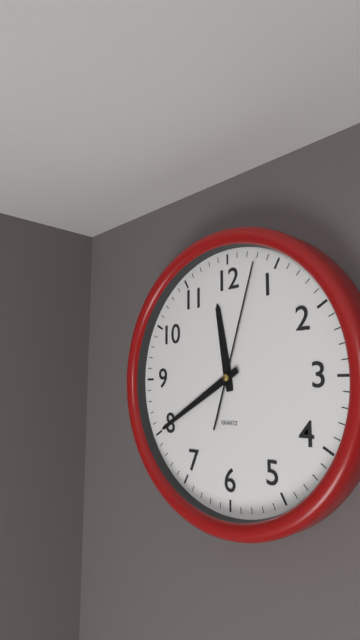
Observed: **11:40:03**
